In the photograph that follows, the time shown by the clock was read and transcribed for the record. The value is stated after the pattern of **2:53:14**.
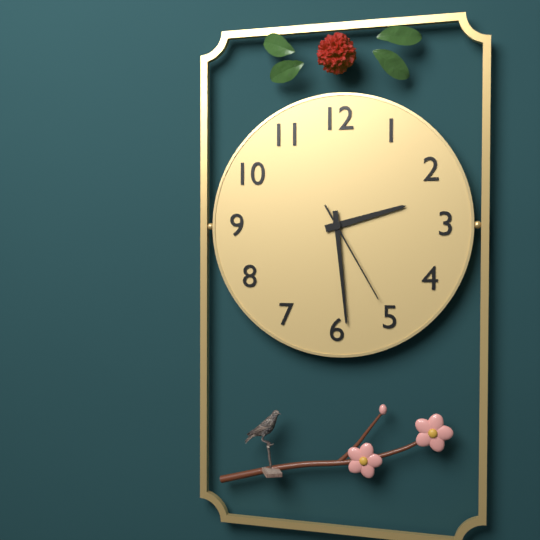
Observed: **2:29:25**
